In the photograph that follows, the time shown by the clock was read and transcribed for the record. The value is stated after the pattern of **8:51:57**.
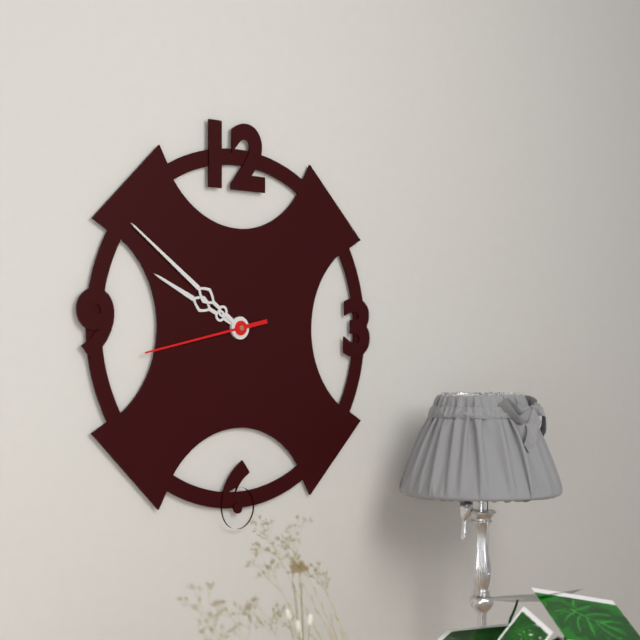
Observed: **9:51:43**
